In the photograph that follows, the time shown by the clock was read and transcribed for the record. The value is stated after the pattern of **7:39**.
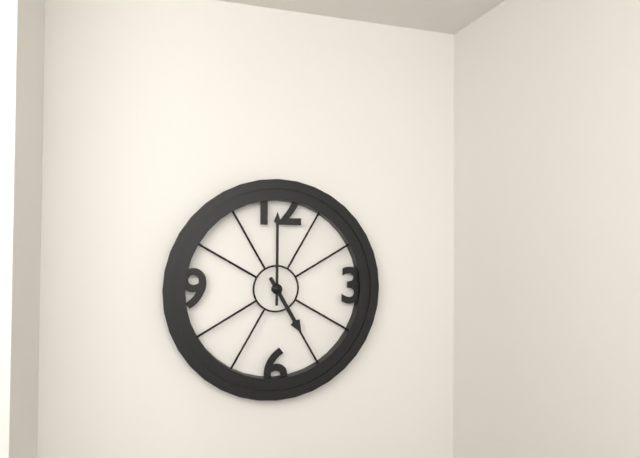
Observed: **5:00**
